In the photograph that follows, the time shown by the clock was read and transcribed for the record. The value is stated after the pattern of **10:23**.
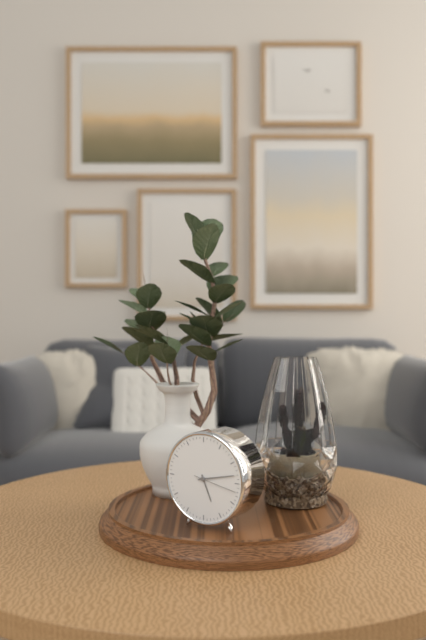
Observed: **5:13**
